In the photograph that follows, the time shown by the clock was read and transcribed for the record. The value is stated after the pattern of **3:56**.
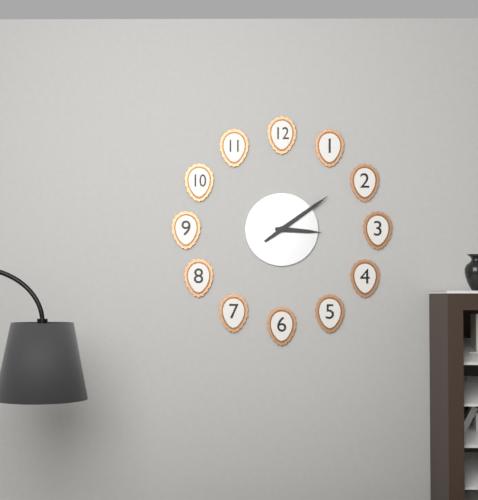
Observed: **3:09**
